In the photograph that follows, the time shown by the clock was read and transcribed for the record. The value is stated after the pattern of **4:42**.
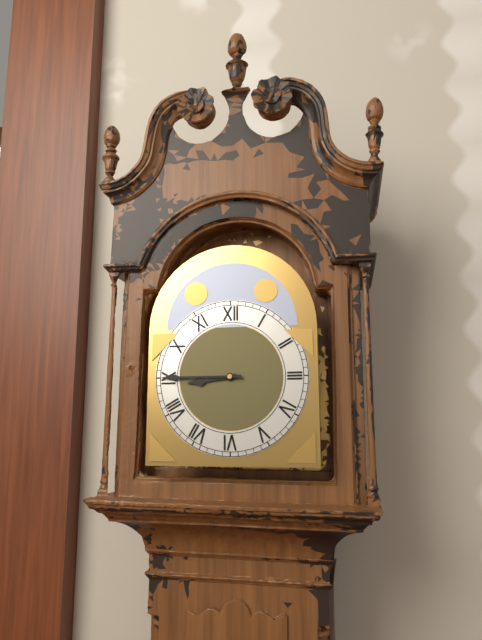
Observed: **8:45**
